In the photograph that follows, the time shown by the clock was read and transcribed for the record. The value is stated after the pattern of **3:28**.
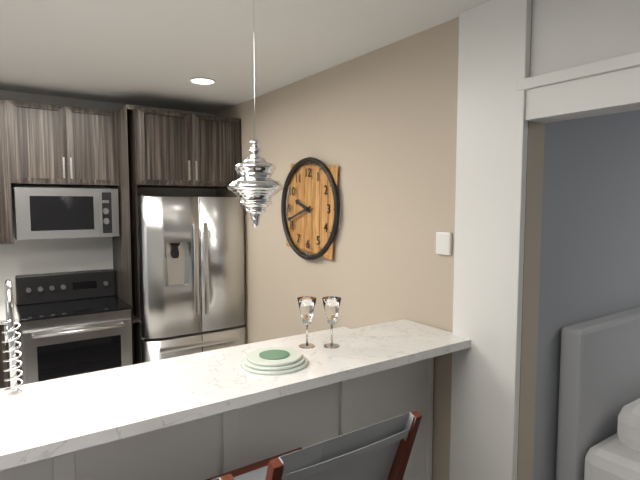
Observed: **9:42**
